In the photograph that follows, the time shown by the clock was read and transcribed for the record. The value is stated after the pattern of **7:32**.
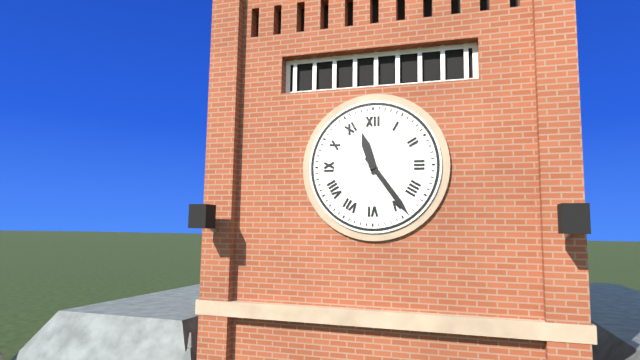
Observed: **11:24**
